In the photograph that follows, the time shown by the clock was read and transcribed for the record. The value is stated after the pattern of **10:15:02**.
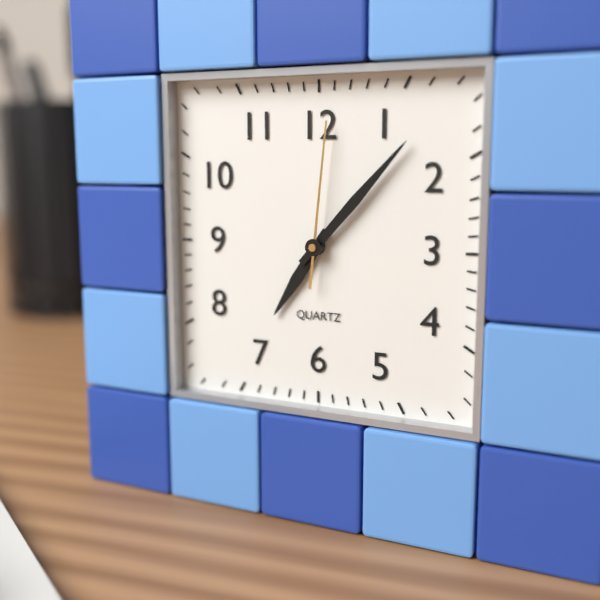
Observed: **7:07:01**
